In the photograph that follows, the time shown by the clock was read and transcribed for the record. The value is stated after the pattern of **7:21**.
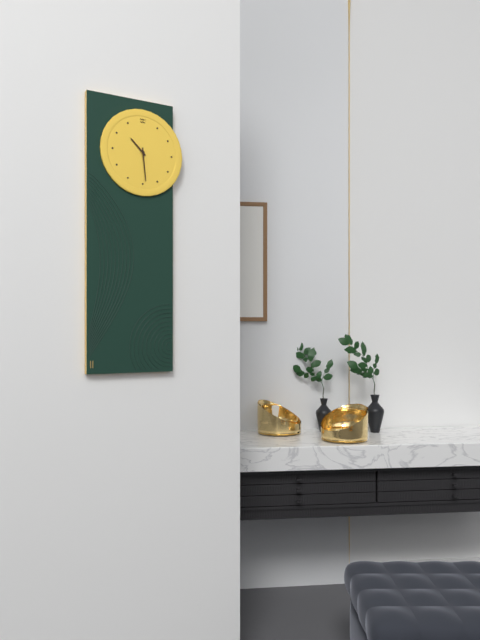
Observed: **10:29**
